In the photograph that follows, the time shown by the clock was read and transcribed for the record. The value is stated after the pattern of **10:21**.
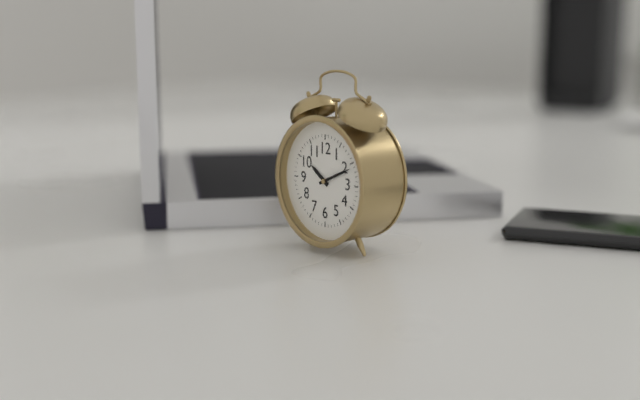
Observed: **10:11**
